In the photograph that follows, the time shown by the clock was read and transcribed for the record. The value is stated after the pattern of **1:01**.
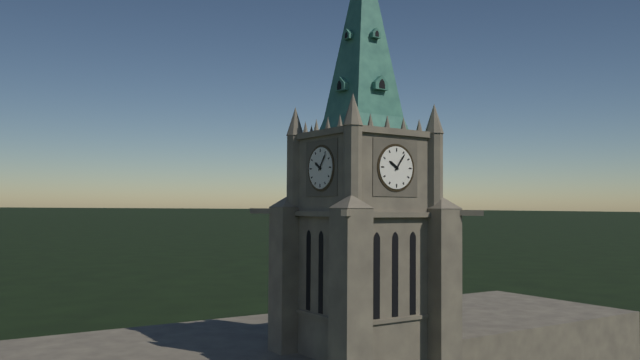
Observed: **10:06**
